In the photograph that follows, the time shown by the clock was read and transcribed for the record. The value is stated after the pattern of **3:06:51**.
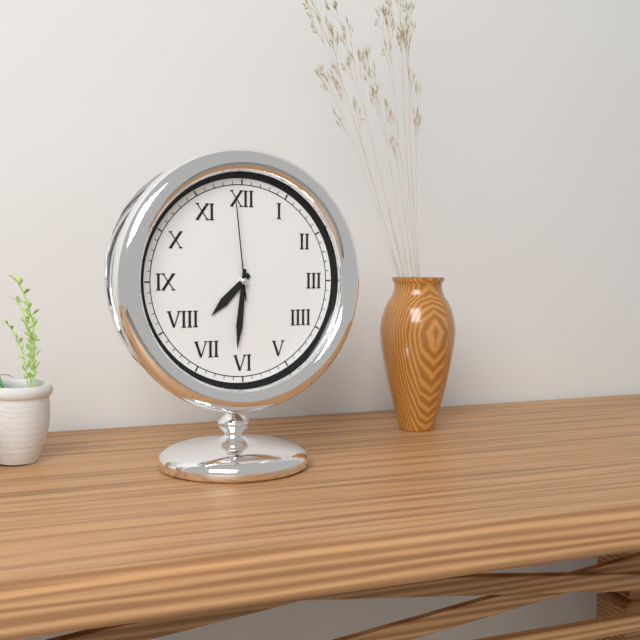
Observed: **7:31:59**
